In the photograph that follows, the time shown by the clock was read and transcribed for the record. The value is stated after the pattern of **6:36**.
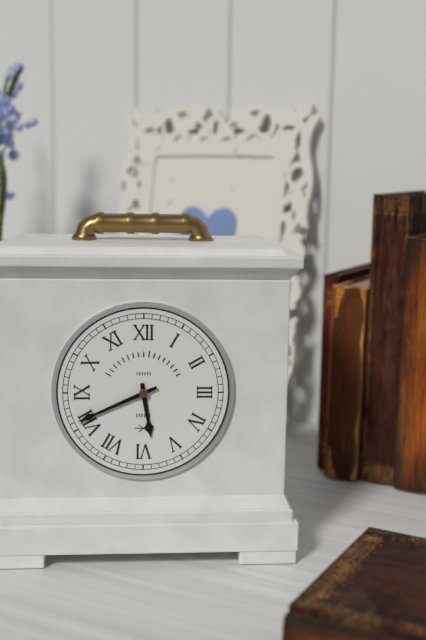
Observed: **5:41**
